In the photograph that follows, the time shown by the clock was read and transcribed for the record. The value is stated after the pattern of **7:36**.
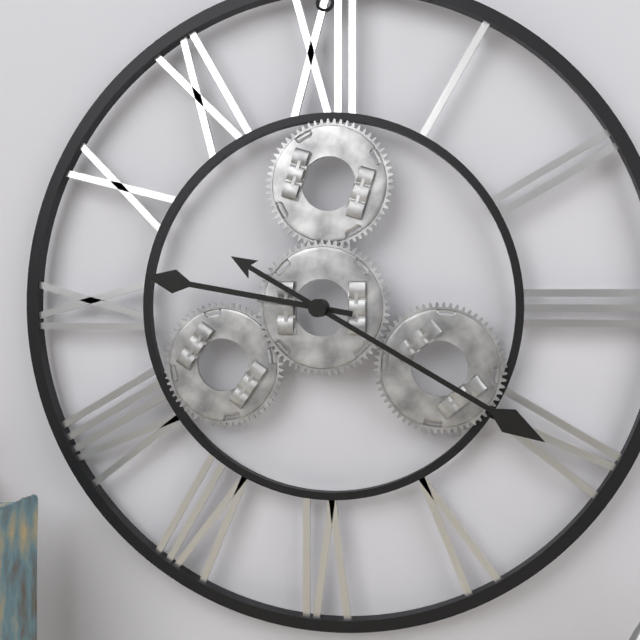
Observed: **9:20**
